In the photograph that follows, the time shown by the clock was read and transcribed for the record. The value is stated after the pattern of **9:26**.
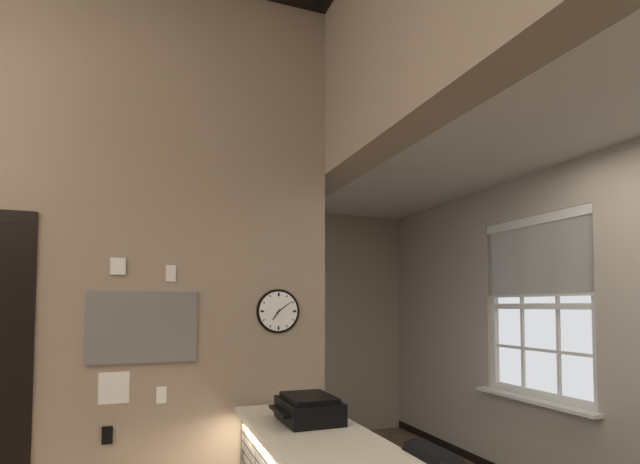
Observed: **7:09**
